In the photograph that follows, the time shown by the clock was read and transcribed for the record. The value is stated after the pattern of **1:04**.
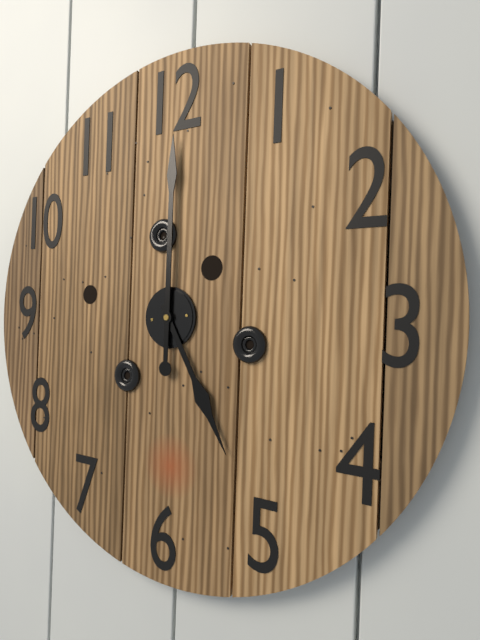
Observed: **5:00**
